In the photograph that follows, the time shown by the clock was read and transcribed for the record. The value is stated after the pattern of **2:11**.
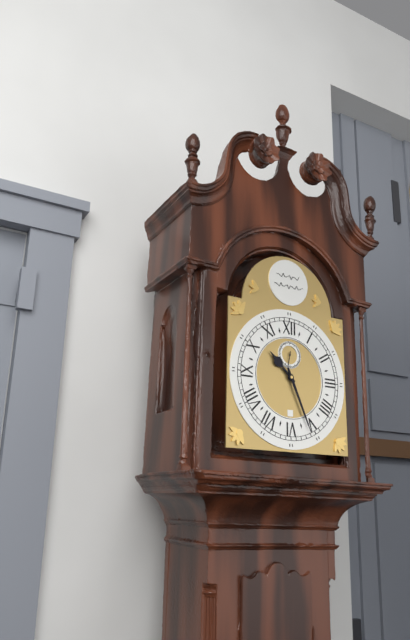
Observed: **10:26**
